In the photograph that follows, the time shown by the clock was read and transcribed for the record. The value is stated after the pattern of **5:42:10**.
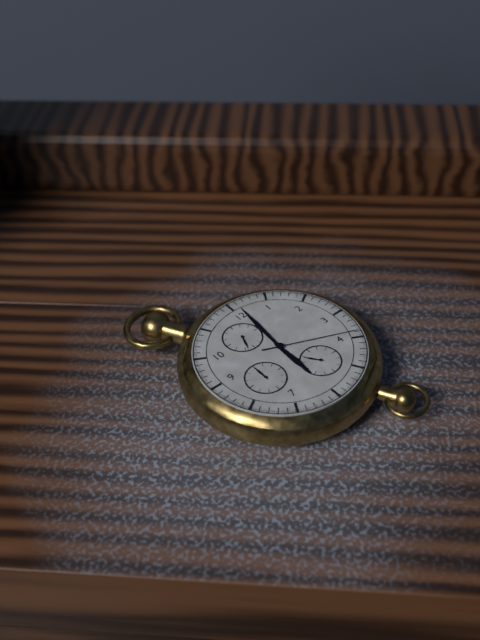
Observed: **6:01:19**
